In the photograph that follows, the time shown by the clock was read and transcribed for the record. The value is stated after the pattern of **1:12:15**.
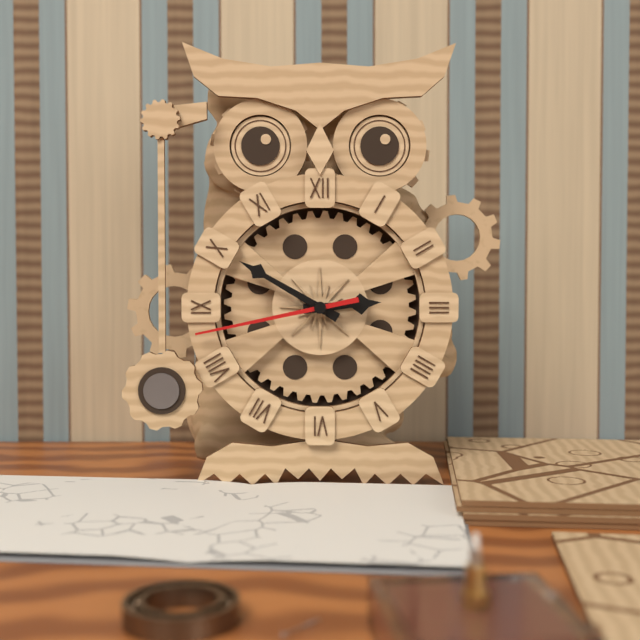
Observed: **2:50:43**
